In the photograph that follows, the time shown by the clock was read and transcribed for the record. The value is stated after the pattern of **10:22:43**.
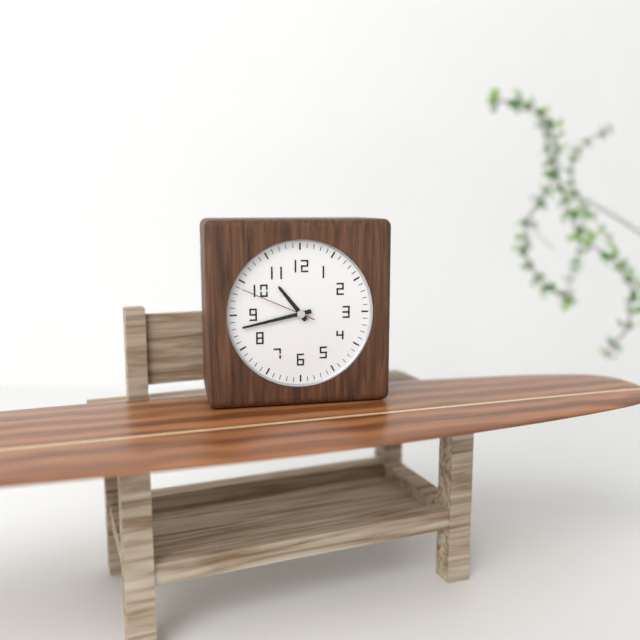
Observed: **10:43:49**
